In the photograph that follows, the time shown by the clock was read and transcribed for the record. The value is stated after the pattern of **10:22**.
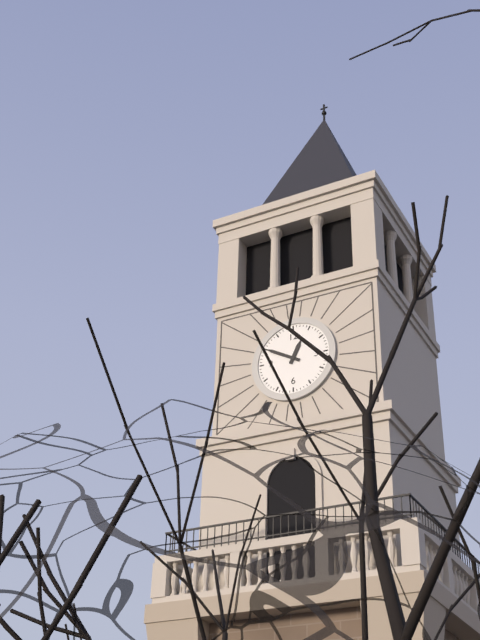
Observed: **12:50**
